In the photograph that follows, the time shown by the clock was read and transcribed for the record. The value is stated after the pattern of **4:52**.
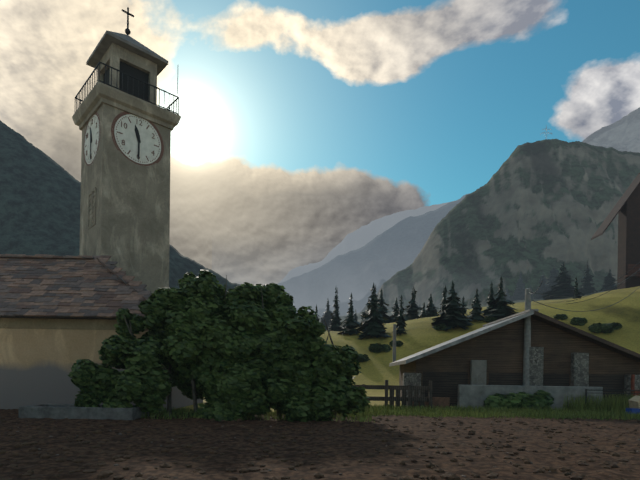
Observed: **11:30**
